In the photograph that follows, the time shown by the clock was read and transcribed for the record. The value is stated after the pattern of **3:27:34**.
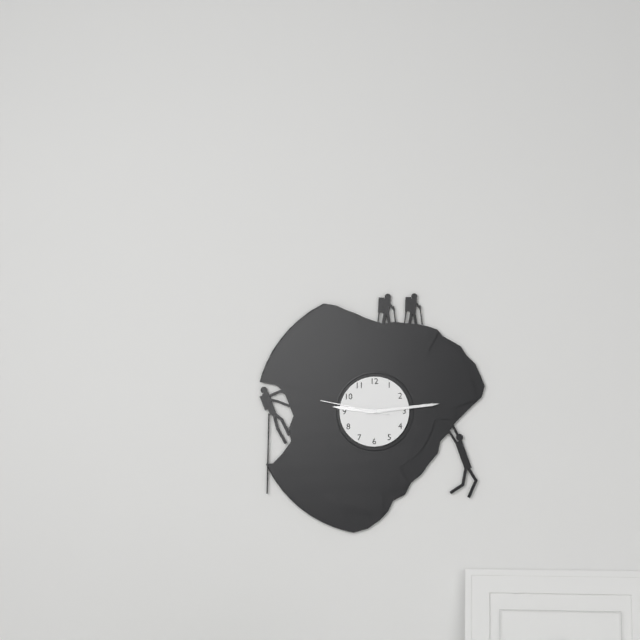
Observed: **9:14:47**
